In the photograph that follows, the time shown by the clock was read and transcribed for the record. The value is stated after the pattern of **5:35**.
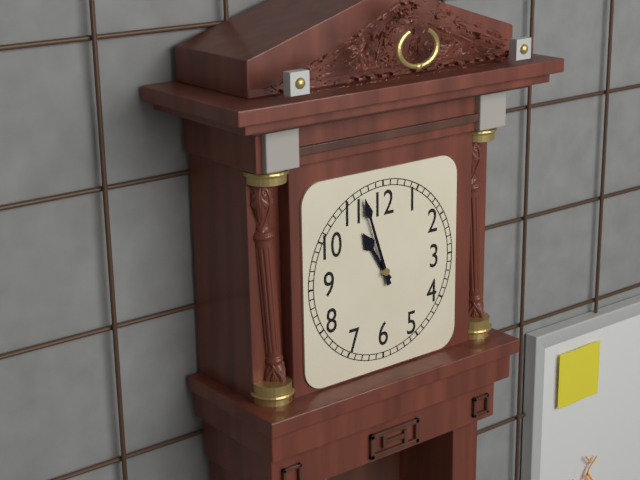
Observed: **10:57**
